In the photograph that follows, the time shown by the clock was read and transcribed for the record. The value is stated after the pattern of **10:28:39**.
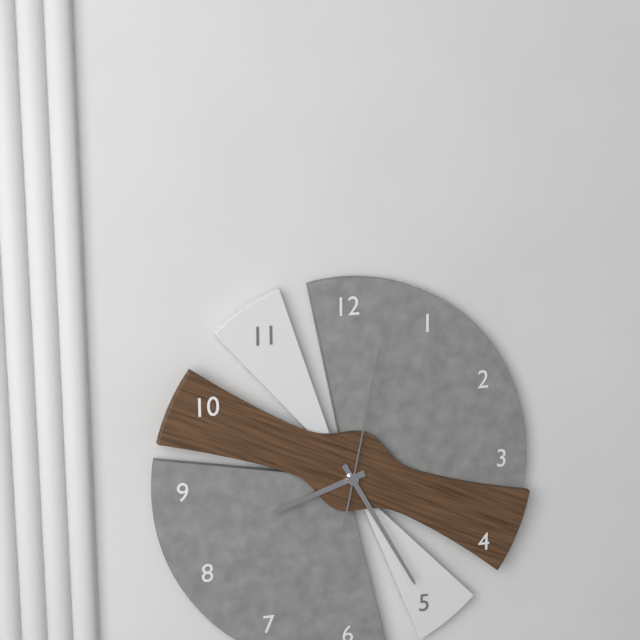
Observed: **8:25:02**
